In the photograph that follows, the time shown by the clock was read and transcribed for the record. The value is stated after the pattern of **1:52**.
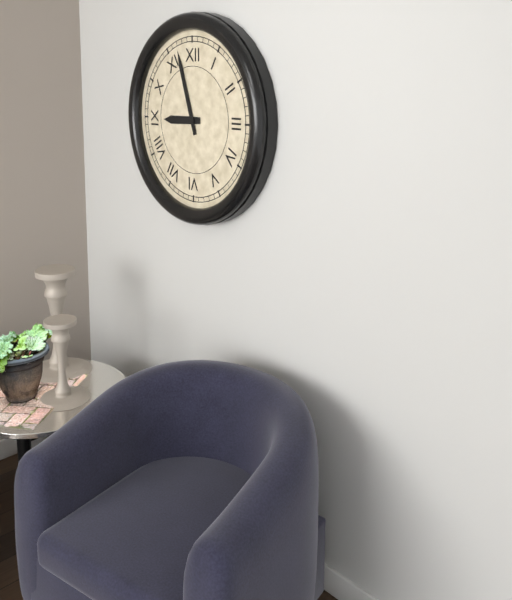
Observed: **8:57**
